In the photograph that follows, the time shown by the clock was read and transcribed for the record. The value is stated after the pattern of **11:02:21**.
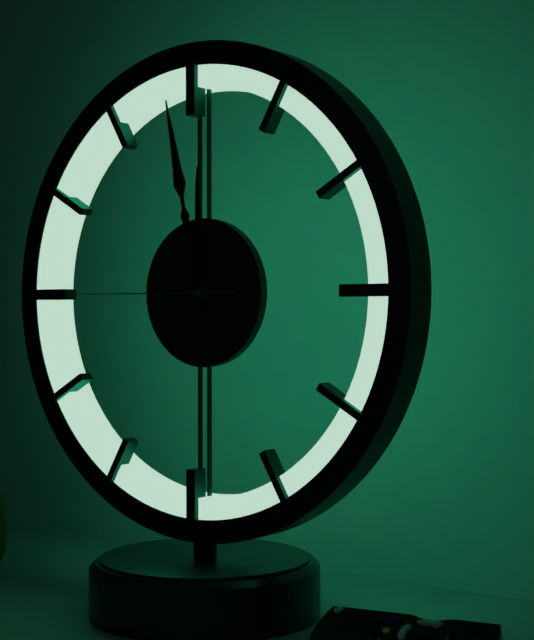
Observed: **11:58:45**
